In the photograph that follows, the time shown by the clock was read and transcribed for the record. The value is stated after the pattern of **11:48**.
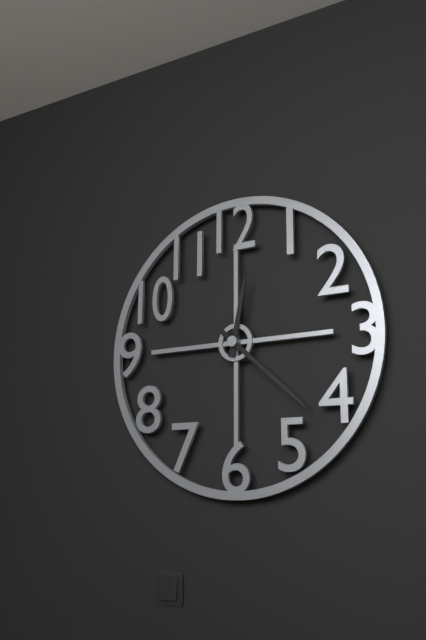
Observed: **12:22**
